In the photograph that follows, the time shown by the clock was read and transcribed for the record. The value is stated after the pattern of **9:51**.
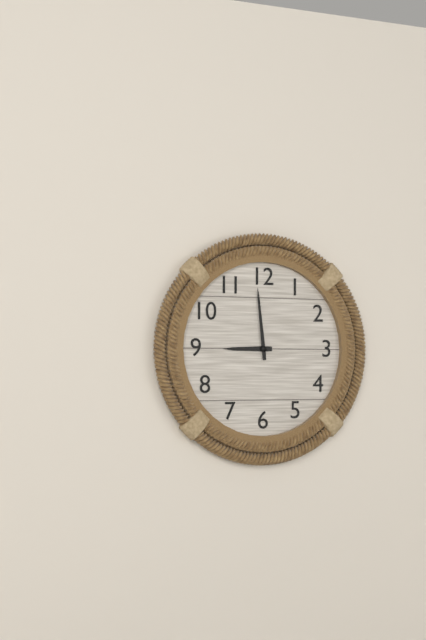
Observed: **8:59**
